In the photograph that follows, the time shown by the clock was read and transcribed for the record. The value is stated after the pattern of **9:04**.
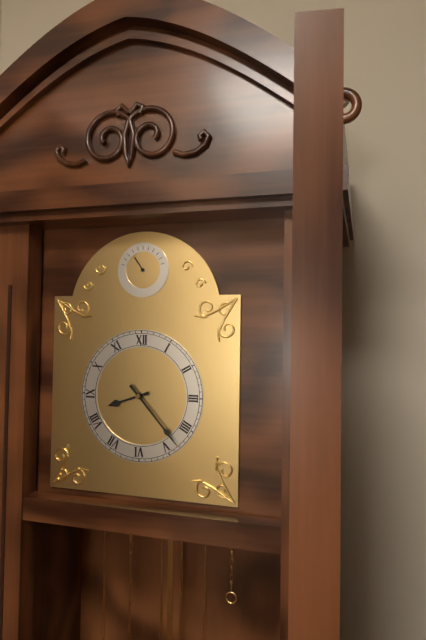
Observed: **8:23**
